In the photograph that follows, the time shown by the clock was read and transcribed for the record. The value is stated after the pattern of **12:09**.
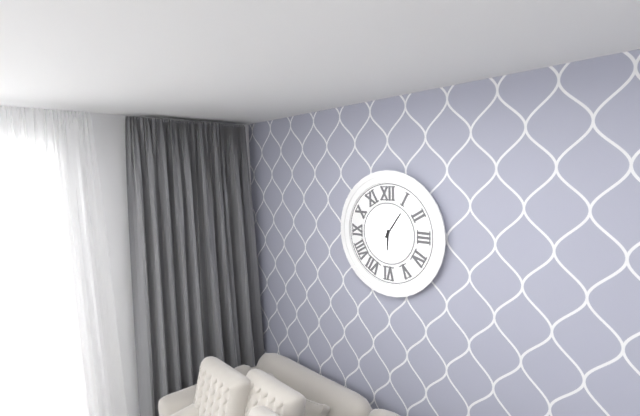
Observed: **6:06**
